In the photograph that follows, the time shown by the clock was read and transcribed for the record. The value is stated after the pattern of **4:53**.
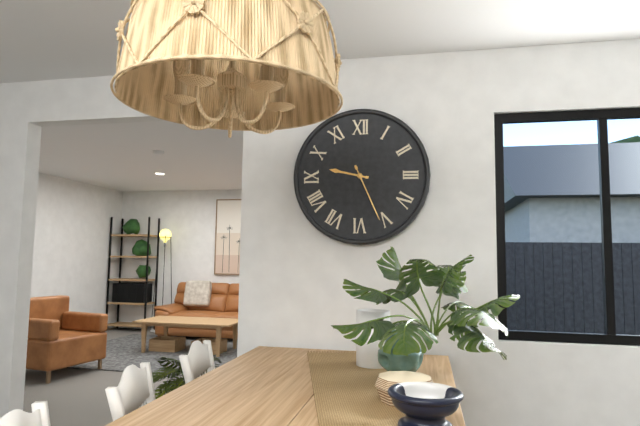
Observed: **9:26**
